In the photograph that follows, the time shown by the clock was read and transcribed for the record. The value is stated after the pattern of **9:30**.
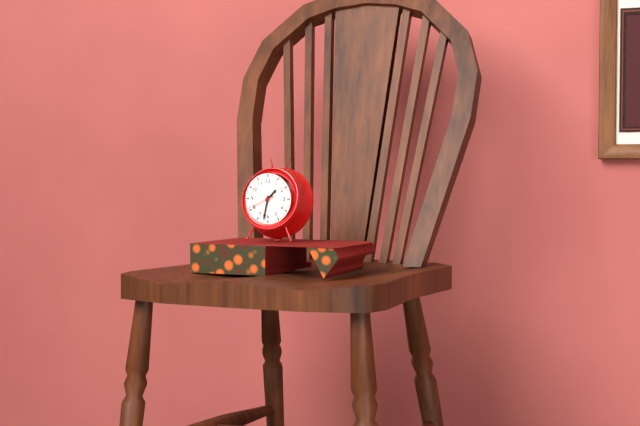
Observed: **1:32**
